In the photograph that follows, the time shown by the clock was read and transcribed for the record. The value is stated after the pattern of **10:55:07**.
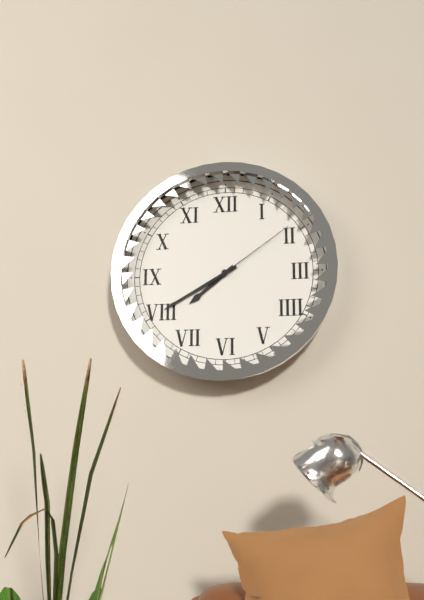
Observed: **7:40:09**
